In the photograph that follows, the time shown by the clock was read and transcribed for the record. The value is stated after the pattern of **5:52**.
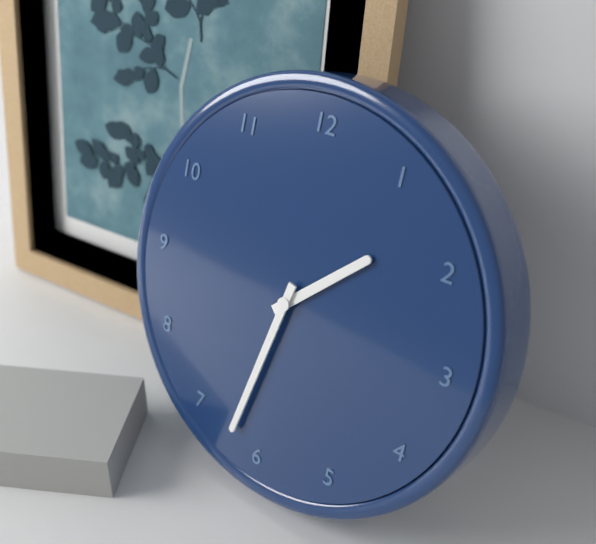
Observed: **1:32**
